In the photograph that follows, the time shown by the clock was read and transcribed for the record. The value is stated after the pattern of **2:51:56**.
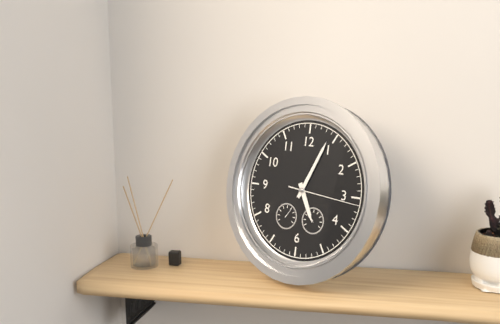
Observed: **5:04:16**
